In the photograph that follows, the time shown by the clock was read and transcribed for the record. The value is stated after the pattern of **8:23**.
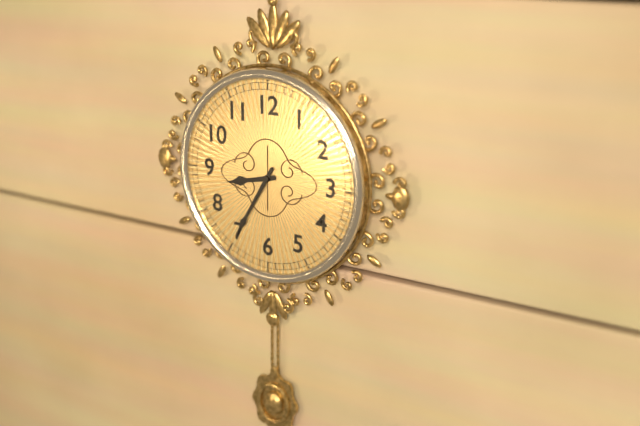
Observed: **8:35**
